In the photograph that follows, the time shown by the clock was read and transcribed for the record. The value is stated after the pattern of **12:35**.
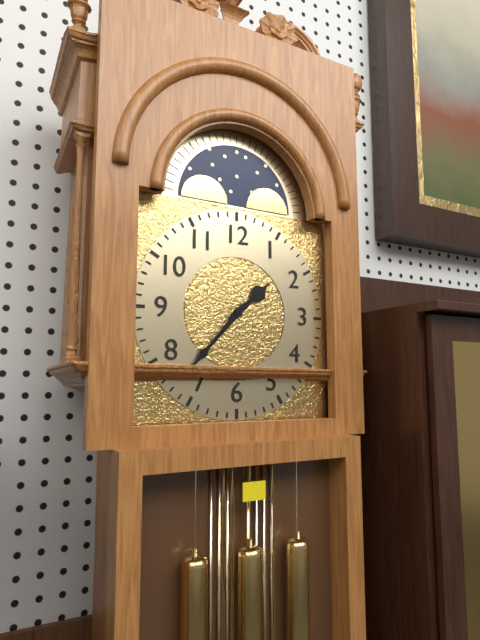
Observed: **1:37**
